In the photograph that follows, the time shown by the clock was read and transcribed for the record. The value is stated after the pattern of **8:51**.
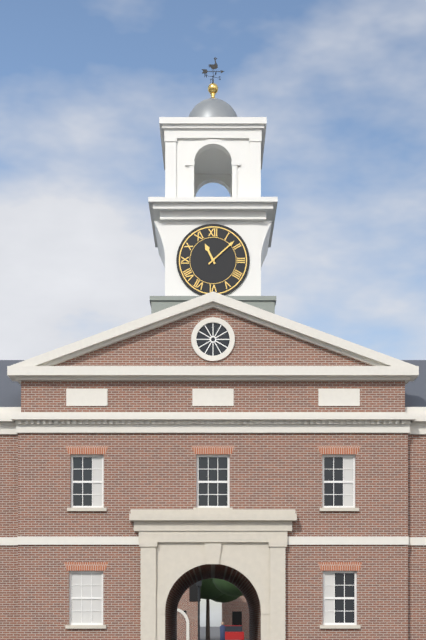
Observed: **11:08**
